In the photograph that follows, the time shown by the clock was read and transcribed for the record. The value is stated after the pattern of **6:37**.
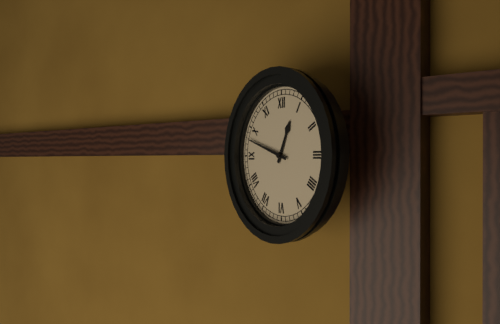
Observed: **12:48**
